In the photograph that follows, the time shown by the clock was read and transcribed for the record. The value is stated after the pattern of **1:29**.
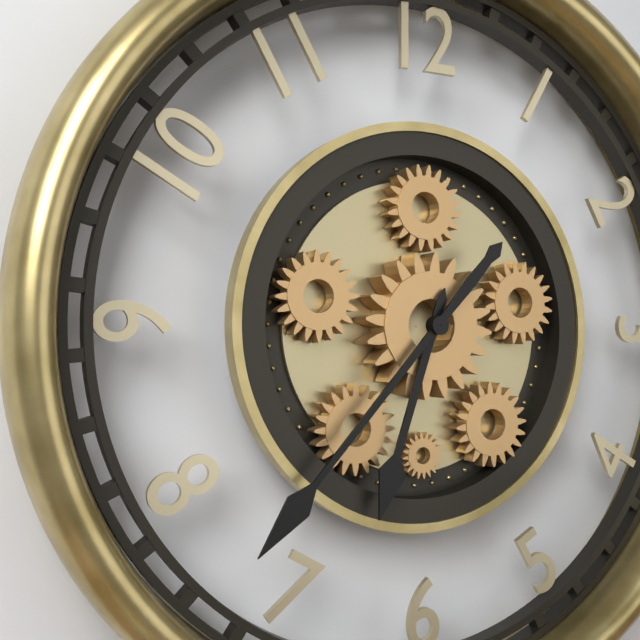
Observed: **6:37**
